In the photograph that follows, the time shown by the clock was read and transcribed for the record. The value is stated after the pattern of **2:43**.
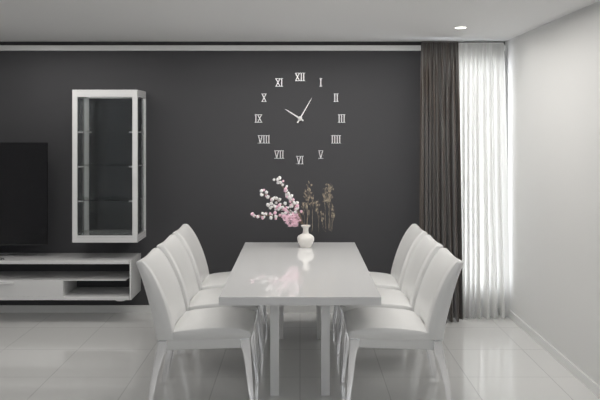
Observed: **10:05**
